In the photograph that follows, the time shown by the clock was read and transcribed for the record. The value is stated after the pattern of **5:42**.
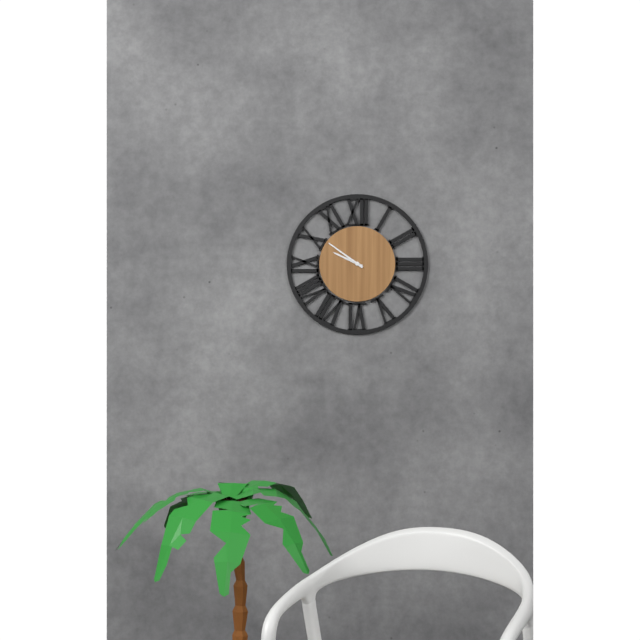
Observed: **9:51**
